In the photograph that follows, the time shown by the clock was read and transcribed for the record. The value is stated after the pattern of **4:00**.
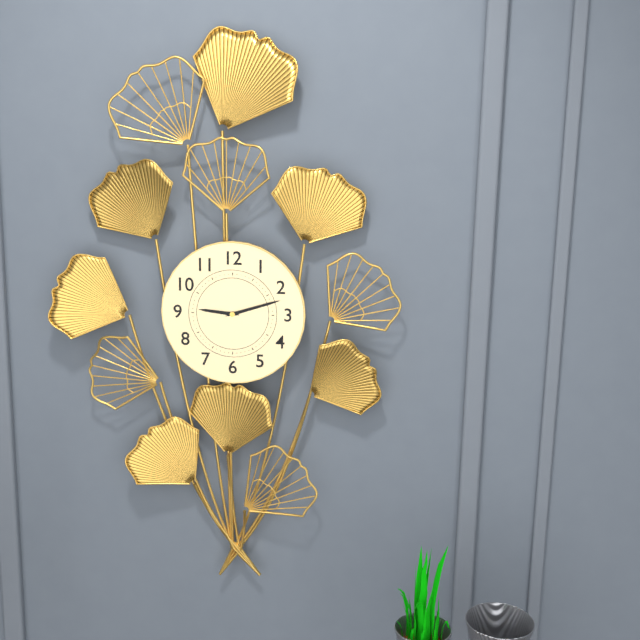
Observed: **9:12**
